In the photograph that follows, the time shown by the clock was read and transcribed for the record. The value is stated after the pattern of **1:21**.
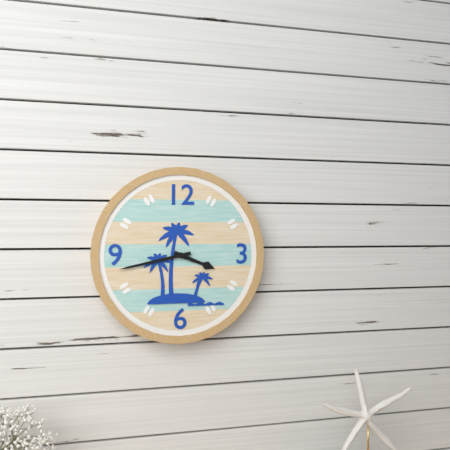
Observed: **3:43**
